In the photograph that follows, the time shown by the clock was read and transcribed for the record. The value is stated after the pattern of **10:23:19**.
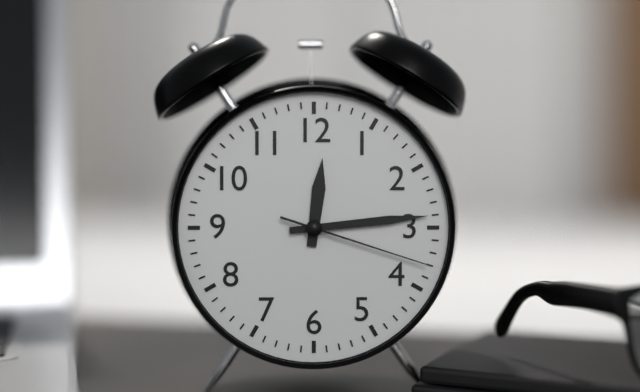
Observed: **12:14:18**
